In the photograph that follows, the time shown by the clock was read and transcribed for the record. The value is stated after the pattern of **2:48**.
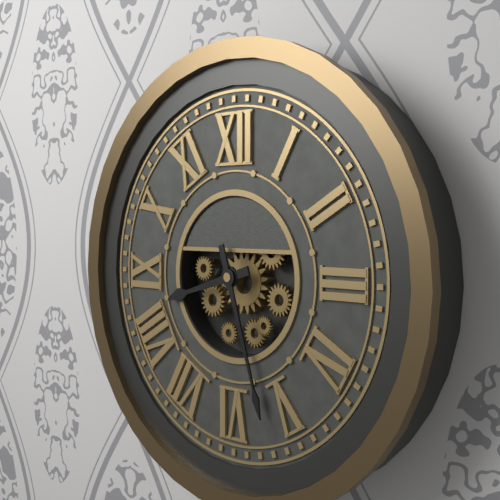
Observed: **8:27**
